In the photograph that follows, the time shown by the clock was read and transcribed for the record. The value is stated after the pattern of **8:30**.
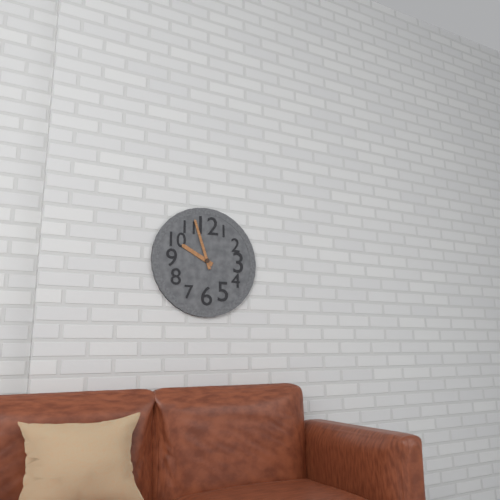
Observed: **9:57**
